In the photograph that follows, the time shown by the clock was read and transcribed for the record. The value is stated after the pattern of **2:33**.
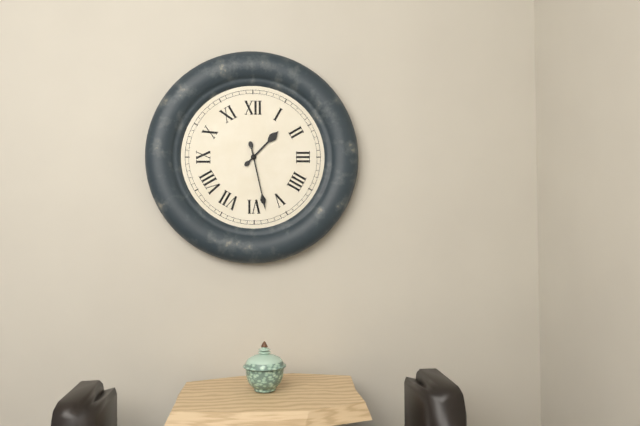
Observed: **1:28**
